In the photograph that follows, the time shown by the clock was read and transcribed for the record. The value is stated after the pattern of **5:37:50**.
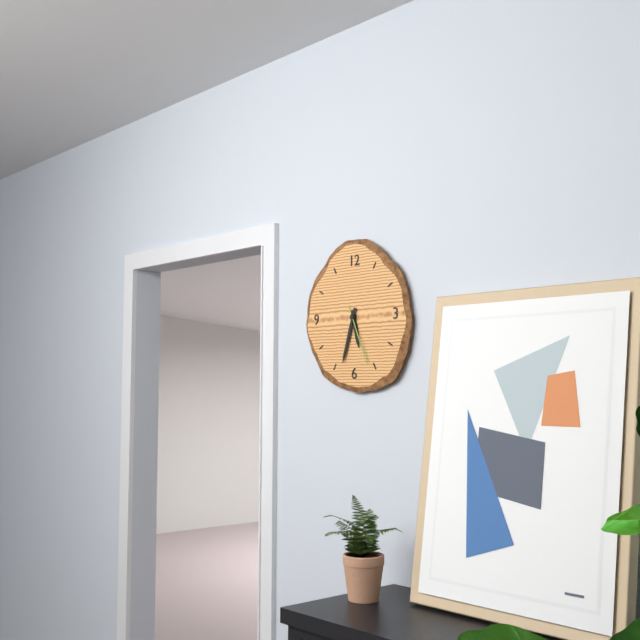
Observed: **5:33:26**
